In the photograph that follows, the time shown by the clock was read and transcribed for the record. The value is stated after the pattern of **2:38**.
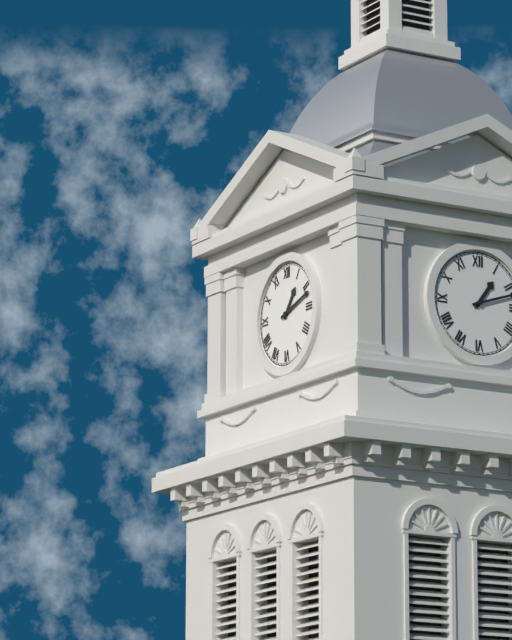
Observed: **1:12**
